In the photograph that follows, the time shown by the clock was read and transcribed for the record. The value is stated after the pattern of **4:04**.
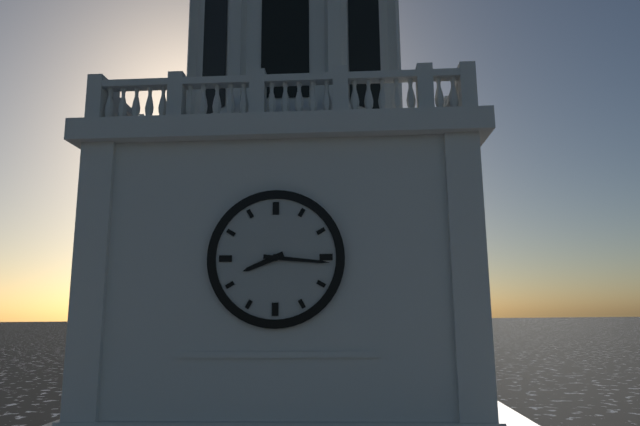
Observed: **8:16**
